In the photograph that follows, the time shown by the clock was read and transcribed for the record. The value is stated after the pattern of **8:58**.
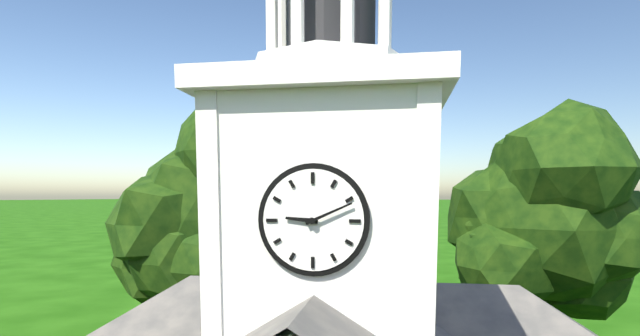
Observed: **9:11**
